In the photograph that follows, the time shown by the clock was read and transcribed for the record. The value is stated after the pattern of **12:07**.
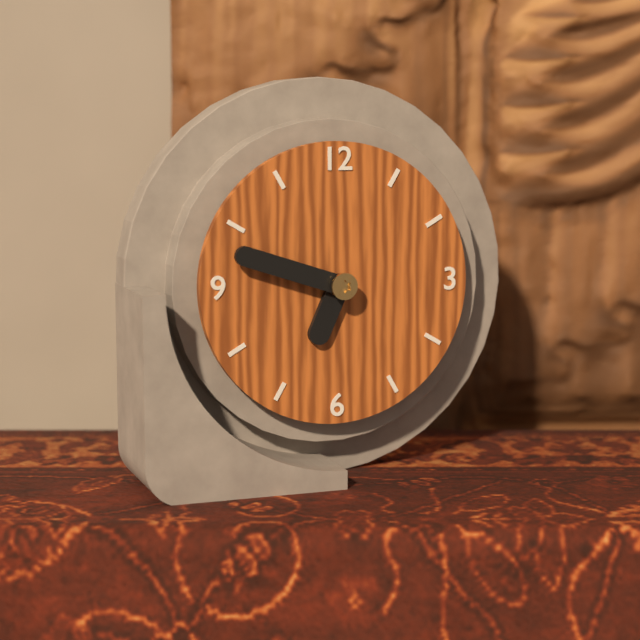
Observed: **6:48**
